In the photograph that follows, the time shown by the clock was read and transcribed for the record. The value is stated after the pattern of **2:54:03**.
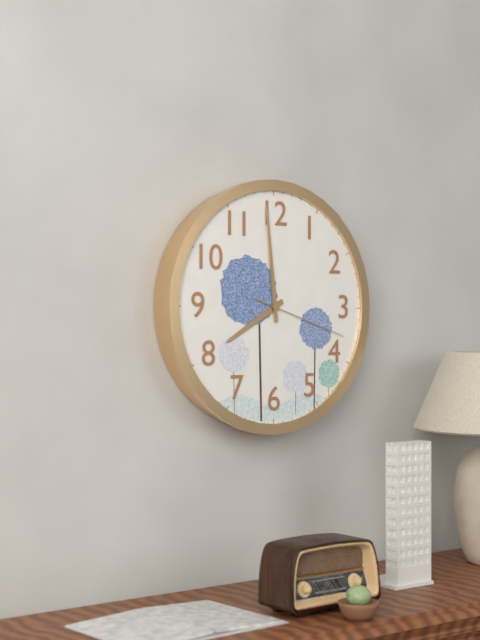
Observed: **7:59:18**
